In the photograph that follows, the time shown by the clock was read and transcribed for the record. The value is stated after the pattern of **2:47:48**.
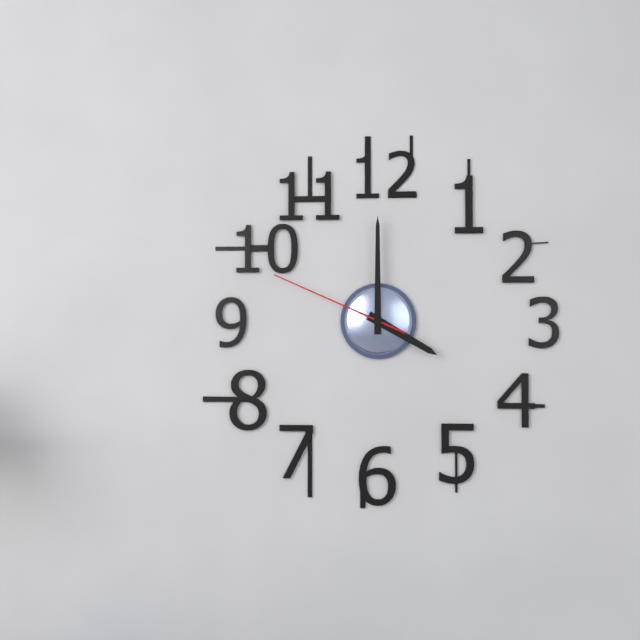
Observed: **4:00:49**
